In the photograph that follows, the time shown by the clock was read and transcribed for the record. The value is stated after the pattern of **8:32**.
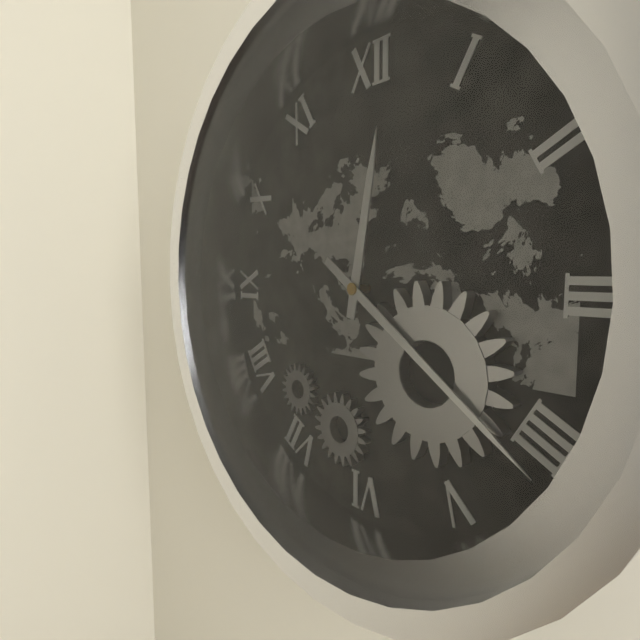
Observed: **12:21**
